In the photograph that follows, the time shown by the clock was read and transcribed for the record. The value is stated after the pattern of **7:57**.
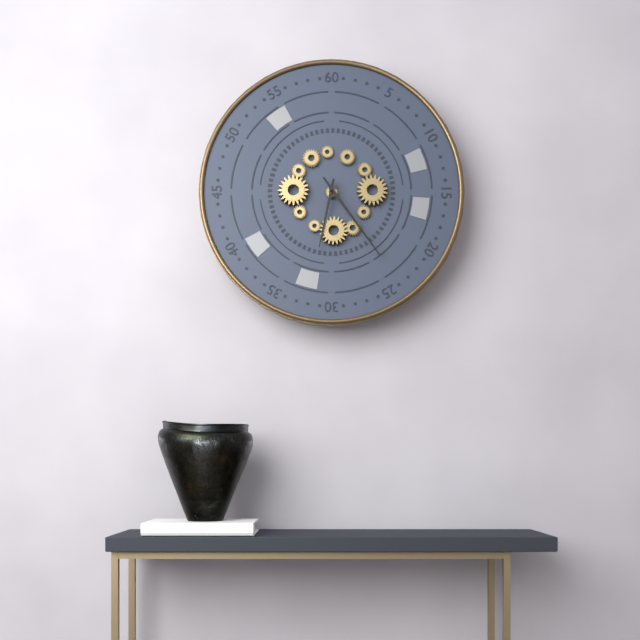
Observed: **6:24**
